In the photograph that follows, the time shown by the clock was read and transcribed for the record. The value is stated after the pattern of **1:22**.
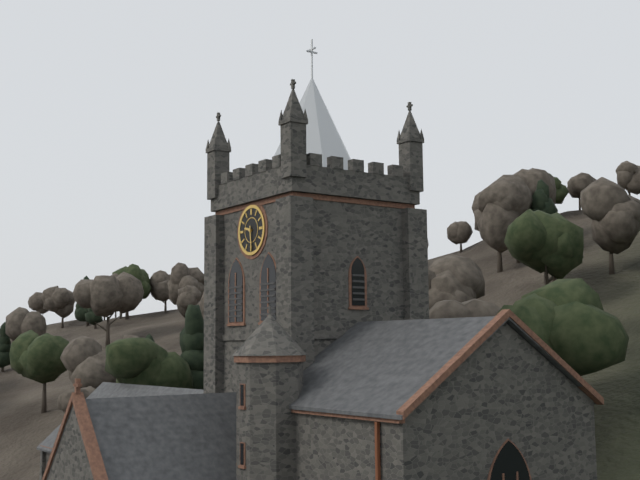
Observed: **9:29**
